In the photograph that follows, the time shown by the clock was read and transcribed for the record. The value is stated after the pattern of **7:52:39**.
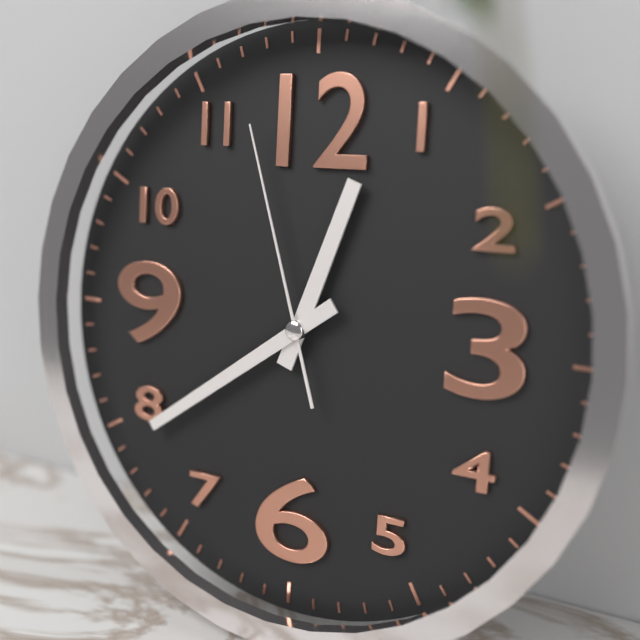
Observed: **12:39:57**
